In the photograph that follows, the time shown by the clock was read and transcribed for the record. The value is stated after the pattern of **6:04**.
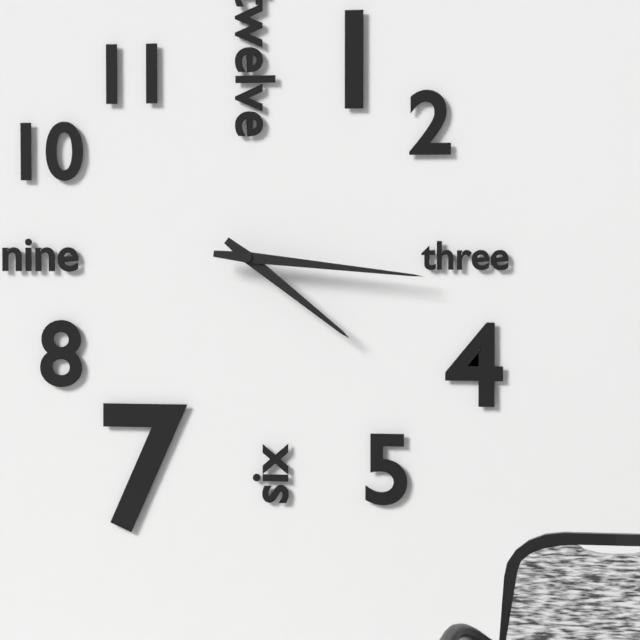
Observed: **4:16**
